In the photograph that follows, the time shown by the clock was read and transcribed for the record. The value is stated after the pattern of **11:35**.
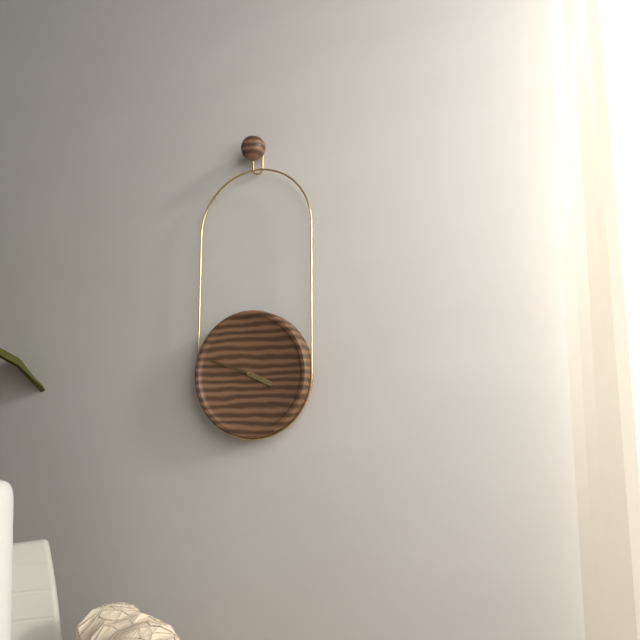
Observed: **3:48**
